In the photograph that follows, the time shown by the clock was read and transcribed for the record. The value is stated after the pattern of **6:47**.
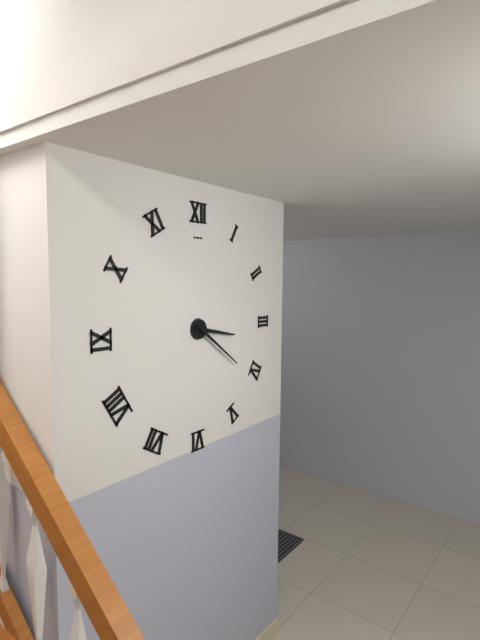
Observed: **3:21**
